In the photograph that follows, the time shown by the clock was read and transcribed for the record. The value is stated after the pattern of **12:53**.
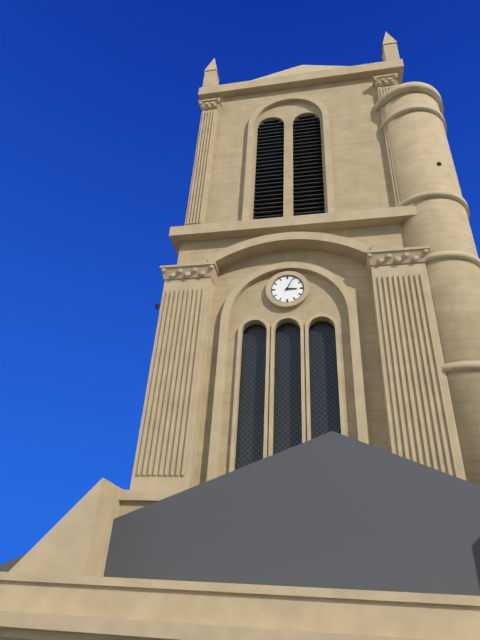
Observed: **3:04**
